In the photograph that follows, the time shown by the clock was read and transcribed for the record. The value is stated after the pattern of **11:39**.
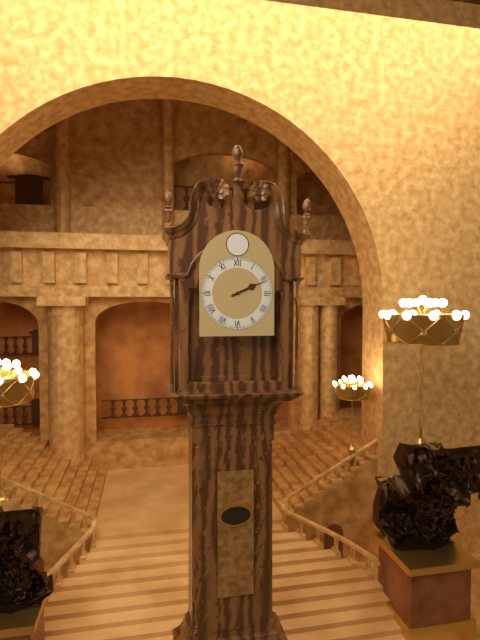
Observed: **2:11**
